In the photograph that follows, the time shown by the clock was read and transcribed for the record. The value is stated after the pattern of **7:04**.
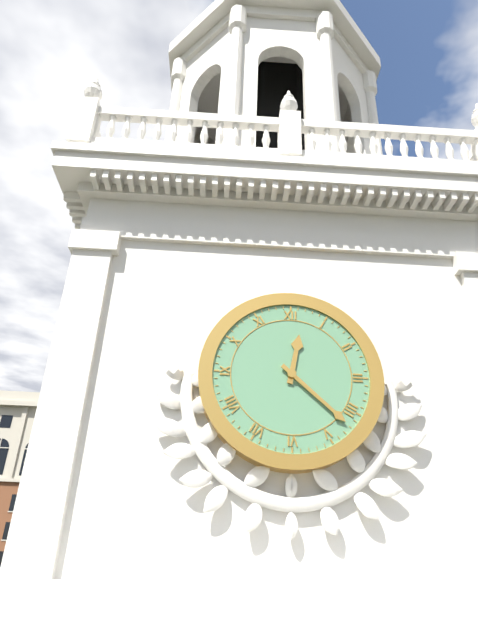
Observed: **12:22**
